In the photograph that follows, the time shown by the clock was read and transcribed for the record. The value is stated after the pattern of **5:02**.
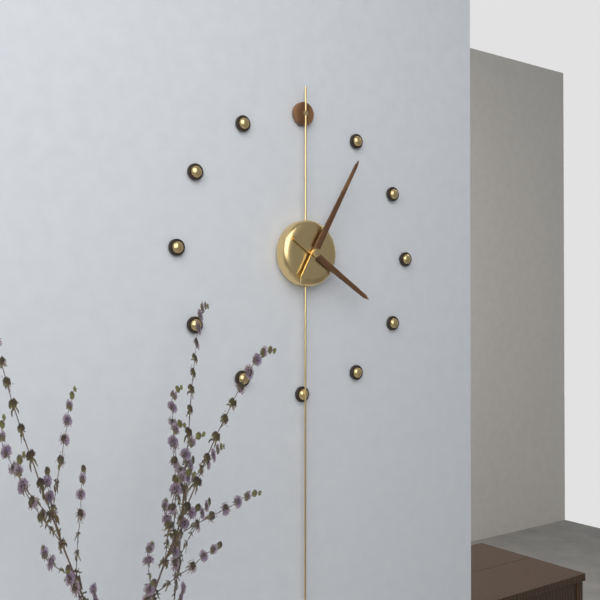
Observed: **4:05**
